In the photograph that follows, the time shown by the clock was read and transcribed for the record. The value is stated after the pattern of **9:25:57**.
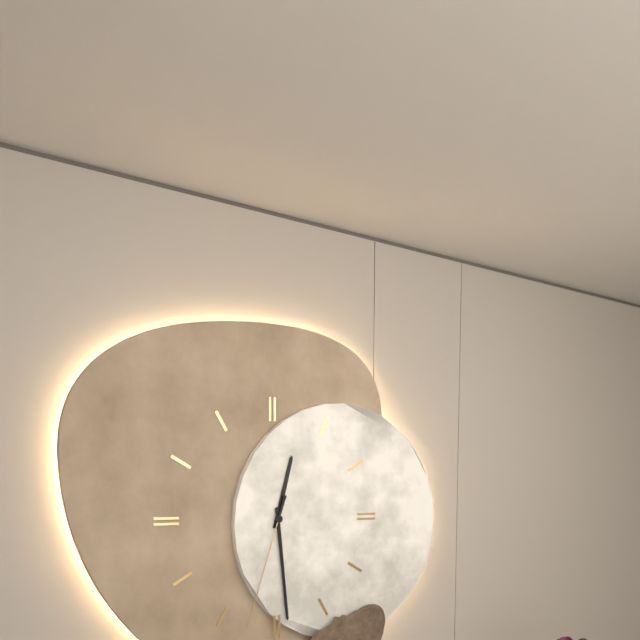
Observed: **12:29:33**
